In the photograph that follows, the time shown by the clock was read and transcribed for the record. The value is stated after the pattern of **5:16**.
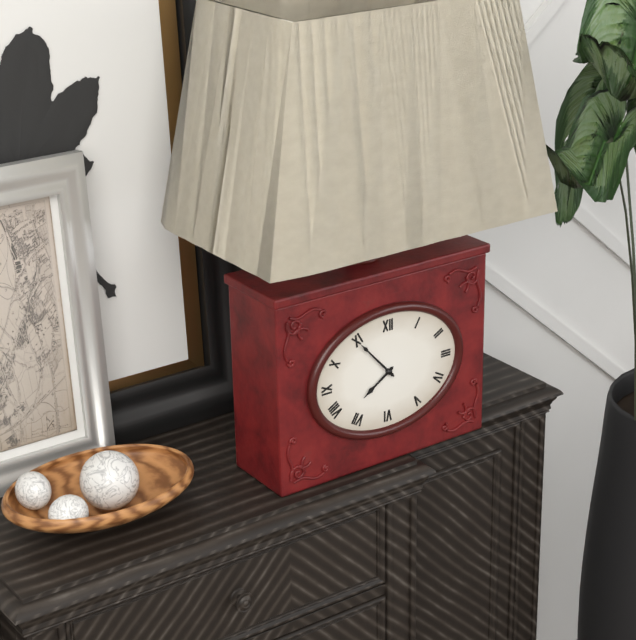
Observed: **7:53**
